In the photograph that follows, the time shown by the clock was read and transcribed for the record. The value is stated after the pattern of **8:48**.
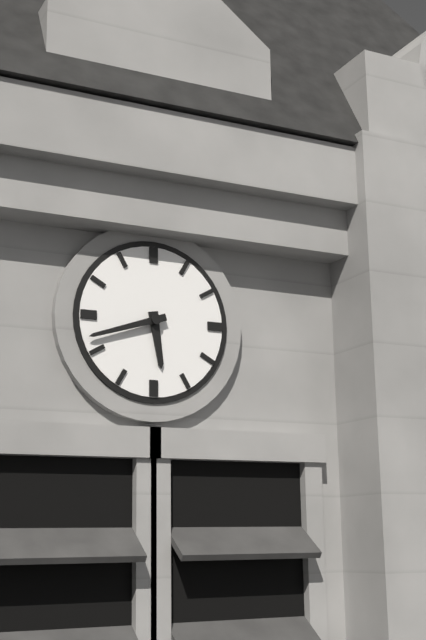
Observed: **5:42**
